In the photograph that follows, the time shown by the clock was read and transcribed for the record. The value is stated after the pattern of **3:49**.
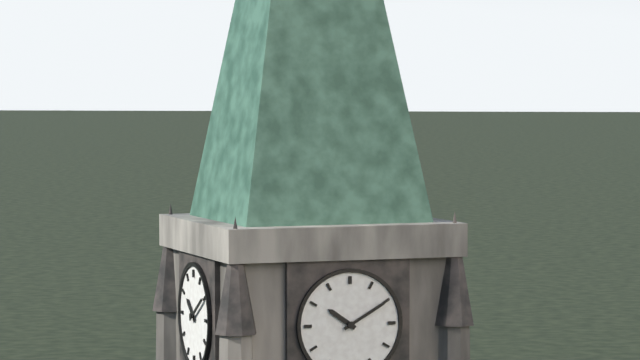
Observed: **10:10**
